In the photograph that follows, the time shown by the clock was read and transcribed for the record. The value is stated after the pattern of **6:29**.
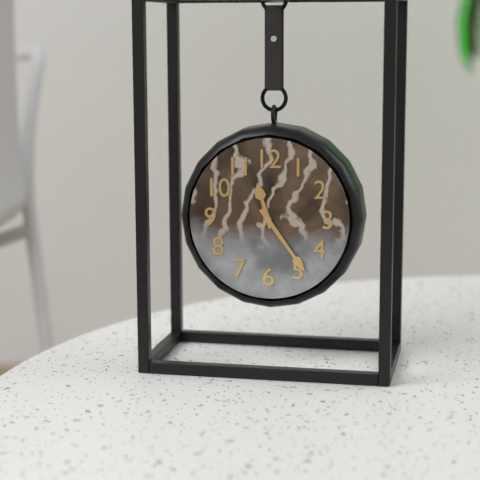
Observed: **11:24**
